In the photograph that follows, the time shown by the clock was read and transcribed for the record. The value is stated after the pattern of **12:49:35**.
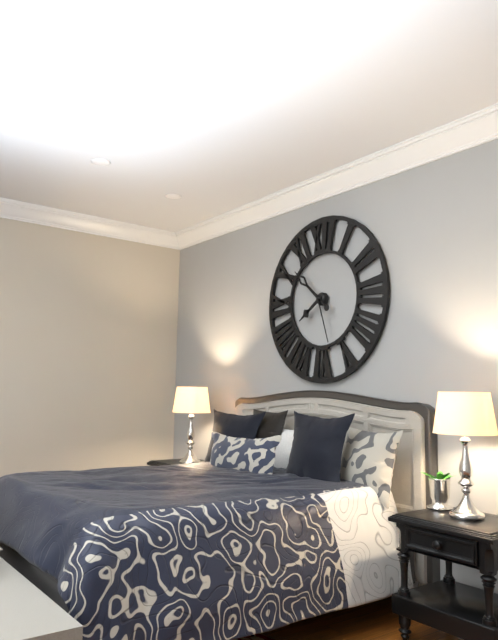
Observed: **7:52:27**
